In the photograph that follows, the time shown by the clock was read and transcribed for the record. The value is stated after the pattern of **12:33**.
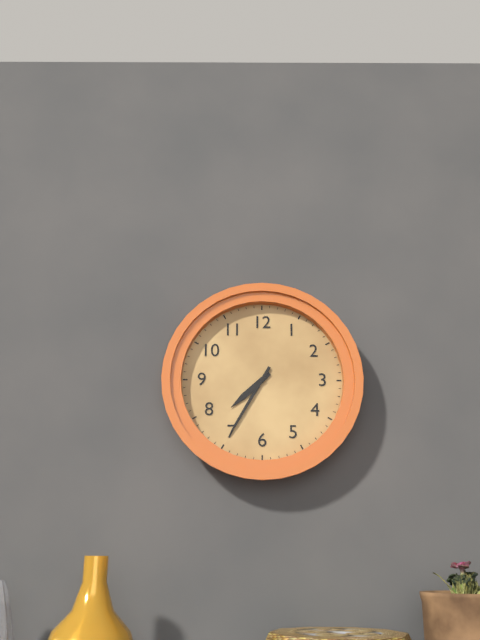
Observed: **7:35**
